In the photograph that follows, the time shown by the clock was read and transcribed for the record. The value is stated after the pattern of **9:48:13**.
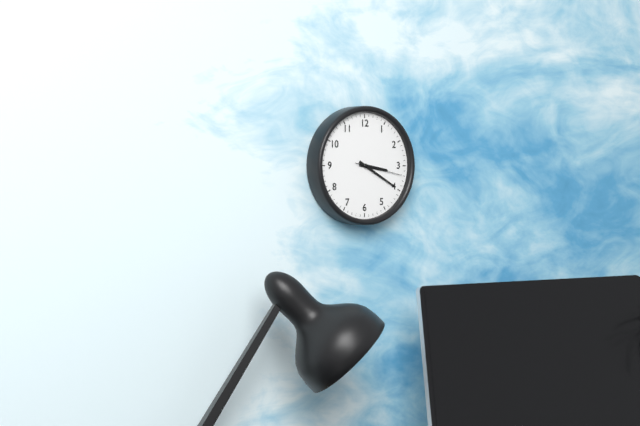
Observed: **3:20:17**
